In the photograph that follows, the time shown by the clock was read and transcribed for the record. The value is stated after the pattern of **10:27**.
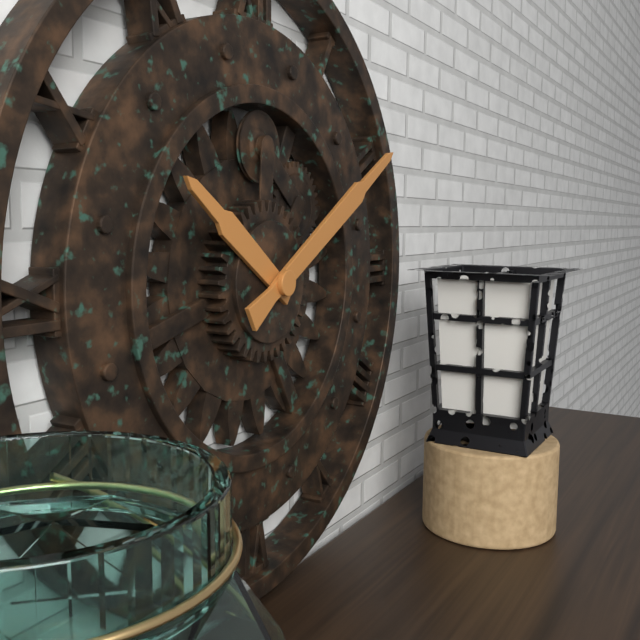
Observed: **10:10**
